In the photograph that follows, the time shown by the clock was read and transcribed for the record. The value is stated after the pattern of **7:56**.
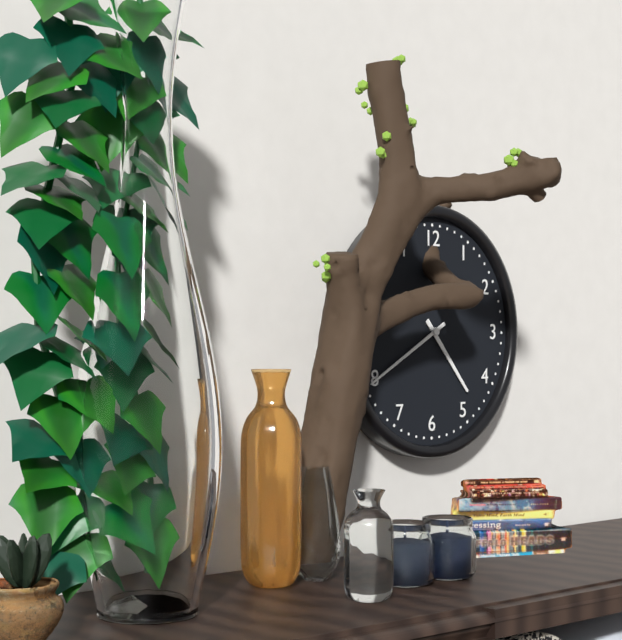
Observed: **4:40**
